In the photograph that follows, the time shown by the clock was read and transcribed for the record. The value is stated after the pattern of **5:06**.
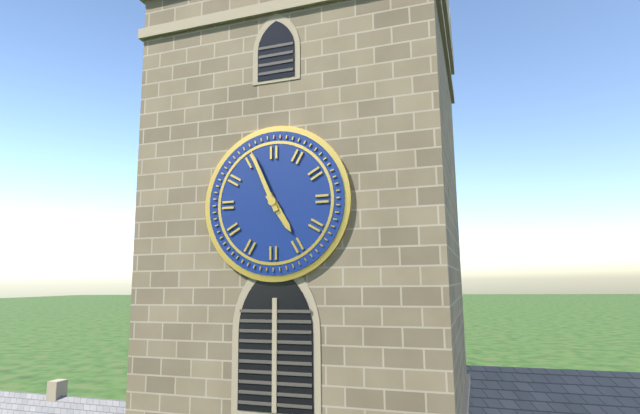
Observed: **4:56**
